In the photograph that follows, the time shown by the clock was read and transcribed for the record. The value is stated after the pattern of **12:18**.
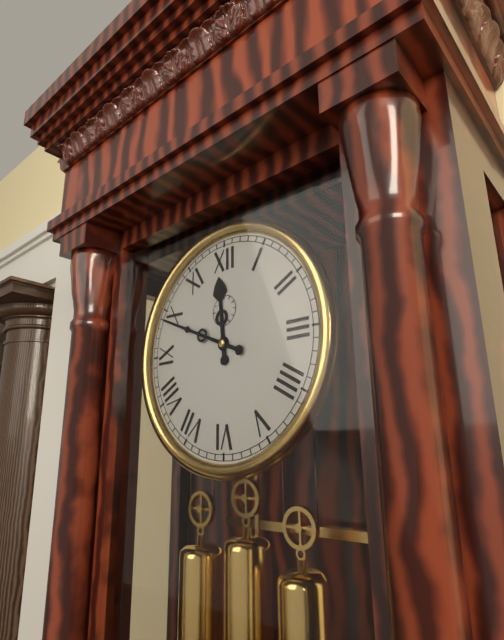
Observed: **11:49**
